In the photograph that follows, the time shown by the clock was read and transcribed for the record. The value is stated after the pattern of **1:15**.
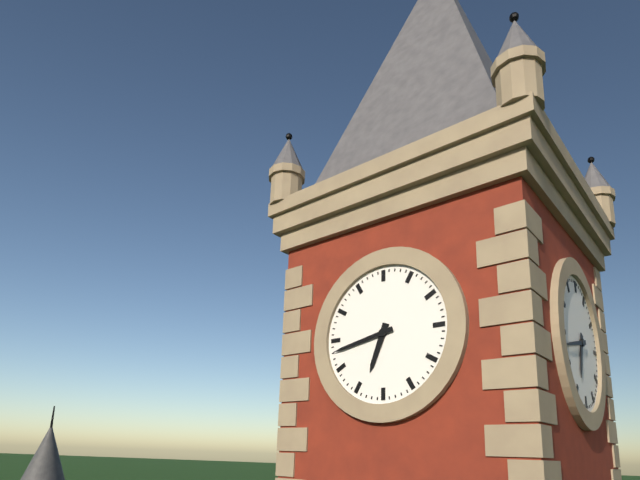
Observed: **6:43**
